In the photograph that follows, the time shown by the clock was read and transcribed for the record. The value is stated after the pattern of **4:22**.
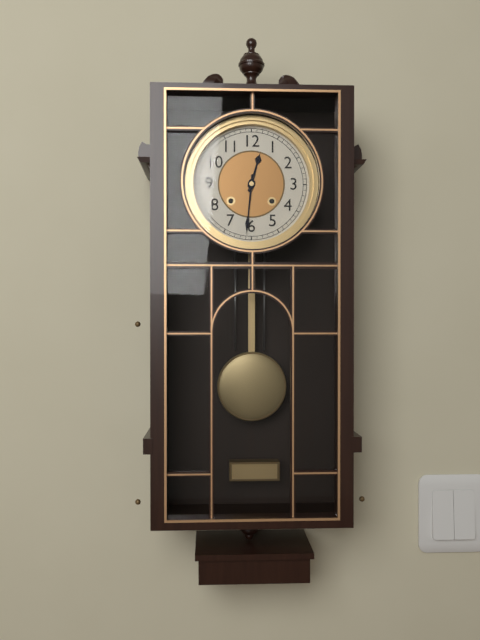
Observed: **12:31**
